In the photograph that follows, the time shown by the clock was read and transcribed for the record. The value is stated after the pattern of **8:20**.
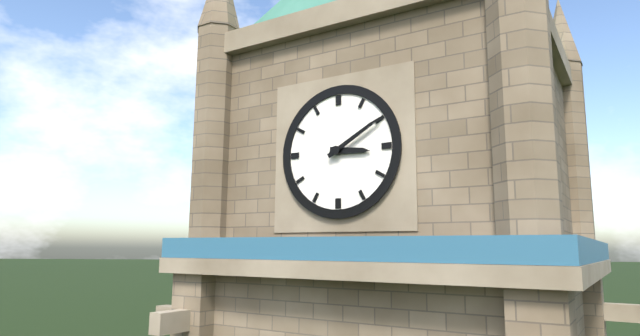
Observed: **3:10**
